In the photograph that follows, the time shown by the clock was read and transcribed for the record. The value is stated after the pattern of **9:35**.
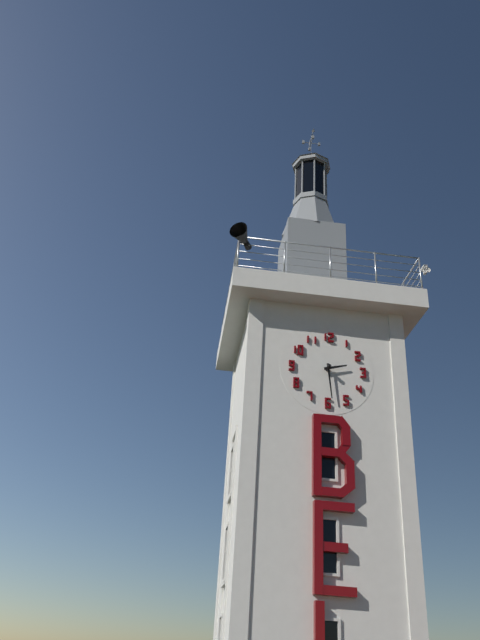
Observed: **2:29**
